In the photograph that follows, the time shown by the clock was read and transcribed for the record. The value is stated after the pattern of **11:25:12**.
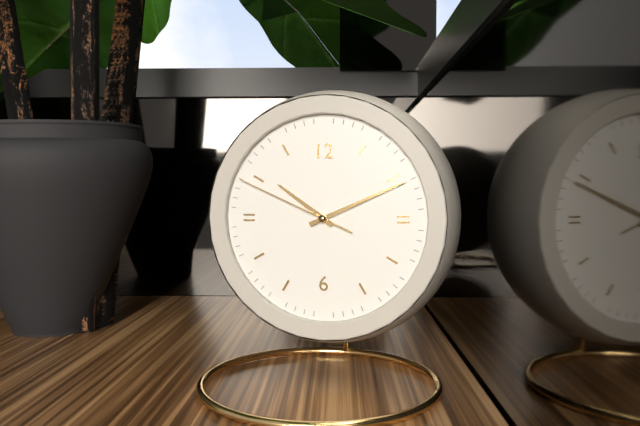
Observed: **10:11:49**
